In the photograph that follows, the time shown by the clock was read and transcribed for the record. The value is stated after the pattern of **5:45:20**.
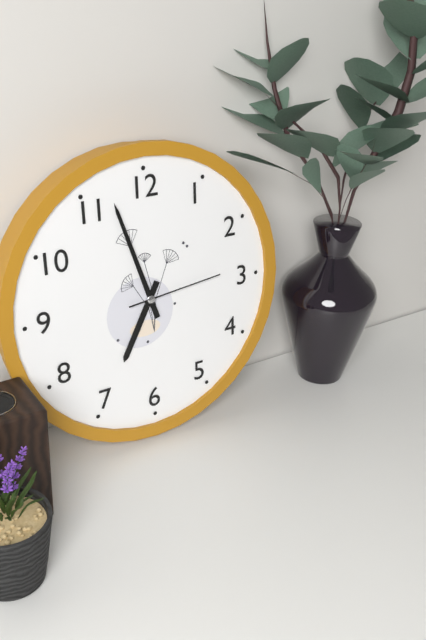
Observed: **6:57:14**
